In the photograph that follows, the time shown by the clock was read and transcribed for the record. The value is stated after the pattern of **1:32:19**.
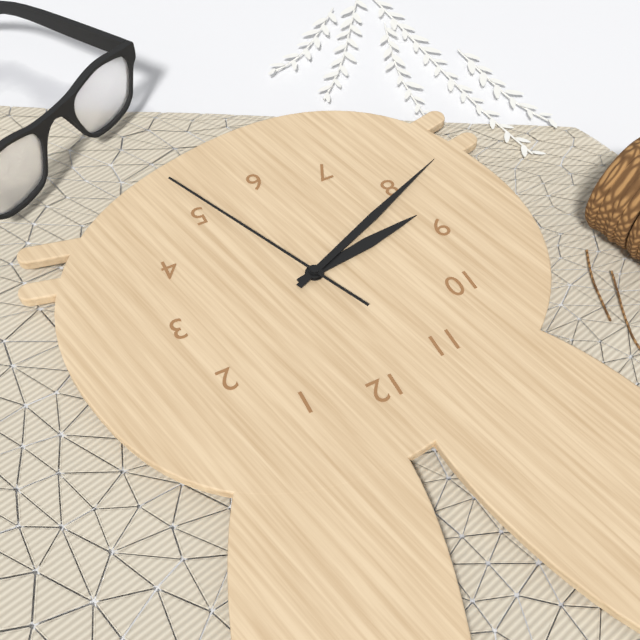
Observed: **8:41:26**
